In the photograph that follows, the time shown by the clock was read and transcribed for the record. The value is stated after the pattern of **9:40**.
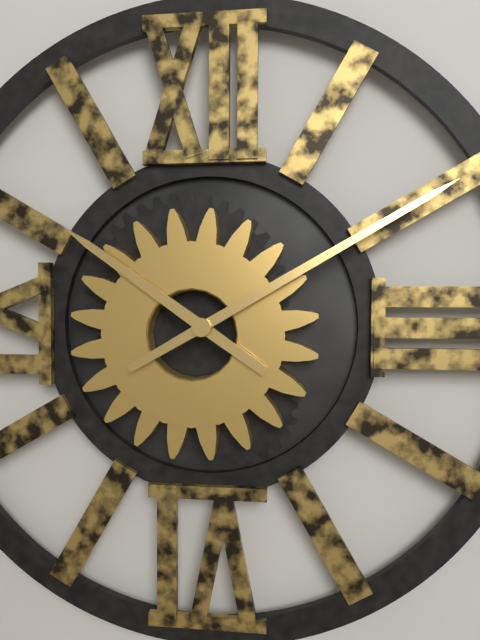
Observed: **10:10**
